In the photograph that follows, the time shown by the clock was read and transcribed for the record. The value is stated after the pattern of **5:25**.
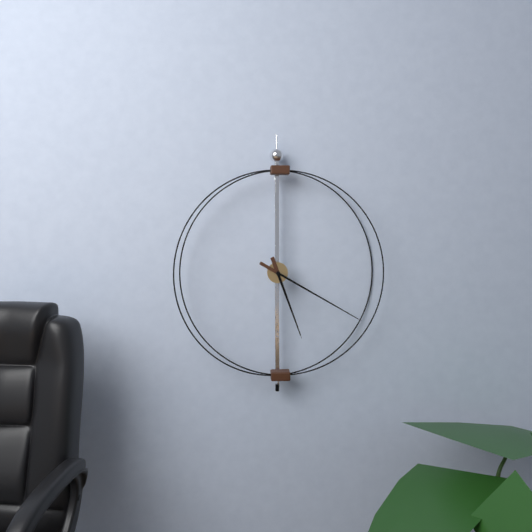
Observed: **5:20**
